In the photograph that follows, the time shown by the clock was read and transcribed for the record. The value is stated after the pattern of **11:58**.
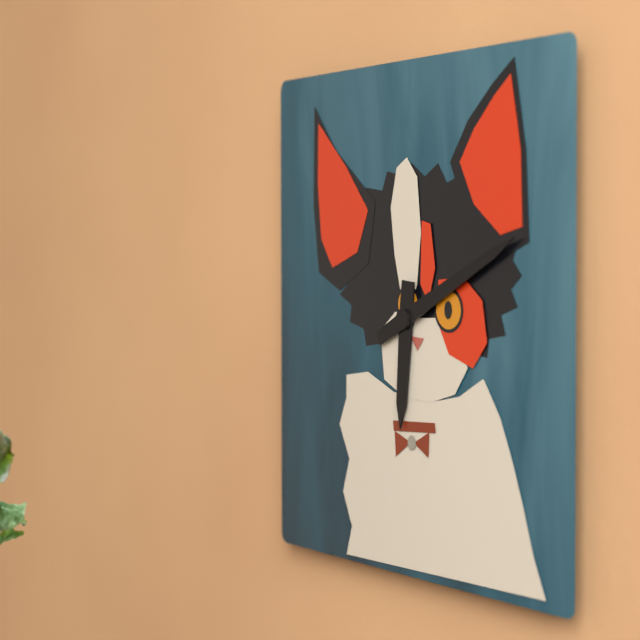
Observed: **6:11**
